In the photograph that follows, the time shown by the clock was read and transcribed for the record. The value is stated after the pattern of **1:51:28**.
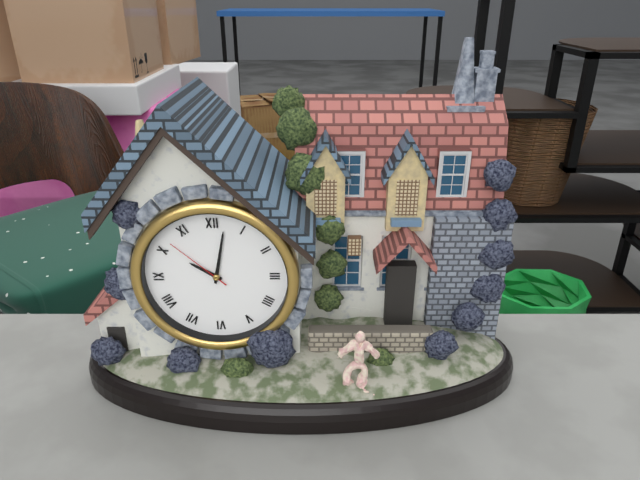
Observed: **10:02:52**
